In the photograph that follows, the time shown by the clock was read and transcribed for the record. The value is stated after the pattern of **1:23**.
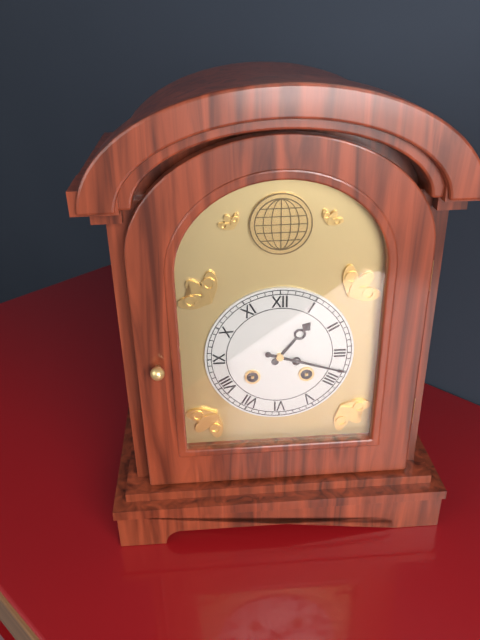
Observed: **1:18**
